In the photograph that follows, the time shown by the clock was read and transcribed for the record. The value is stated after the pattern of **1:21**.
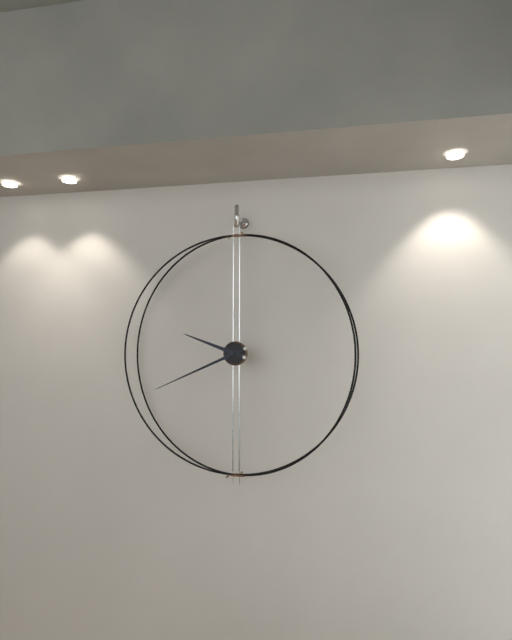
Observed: **9:41**
